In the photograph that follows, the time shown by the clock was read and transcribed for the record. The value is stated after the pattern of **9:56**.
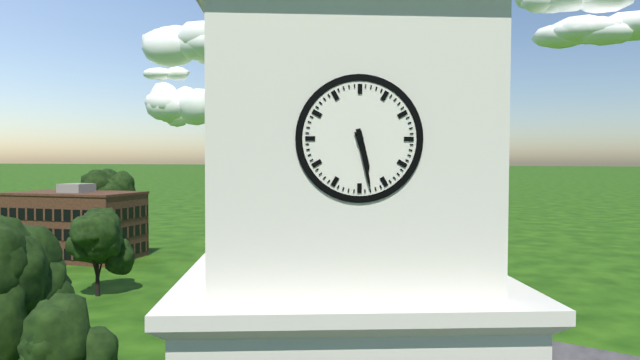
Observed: **5:28**
